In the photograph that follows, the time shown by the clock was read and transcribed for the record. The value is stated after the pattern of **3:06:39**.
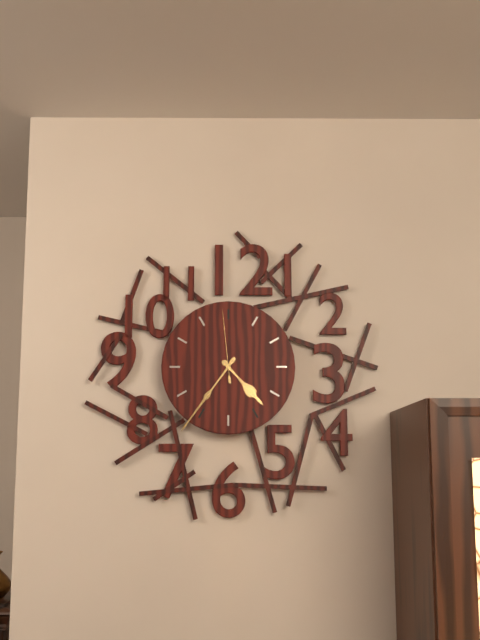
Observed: **4:36:59**
